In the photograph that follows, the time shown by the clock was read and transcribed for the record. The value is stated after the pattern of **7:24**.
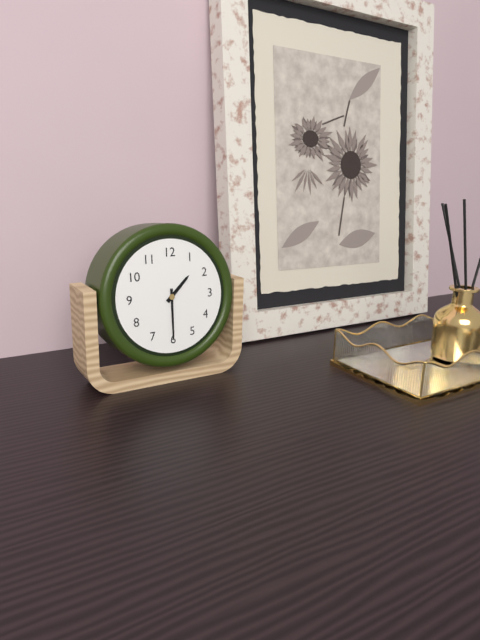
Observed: **1:30**
